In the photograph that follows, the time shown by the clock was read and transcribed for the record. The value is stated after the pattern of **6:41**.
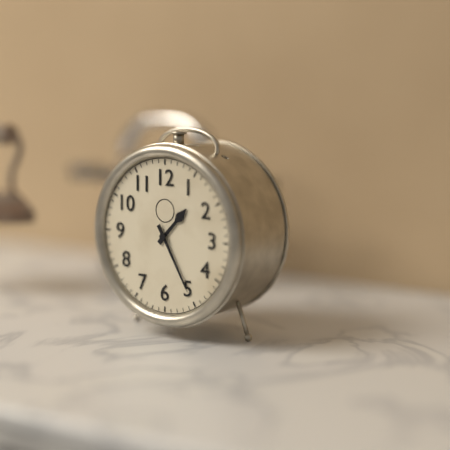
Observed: **1:25**
